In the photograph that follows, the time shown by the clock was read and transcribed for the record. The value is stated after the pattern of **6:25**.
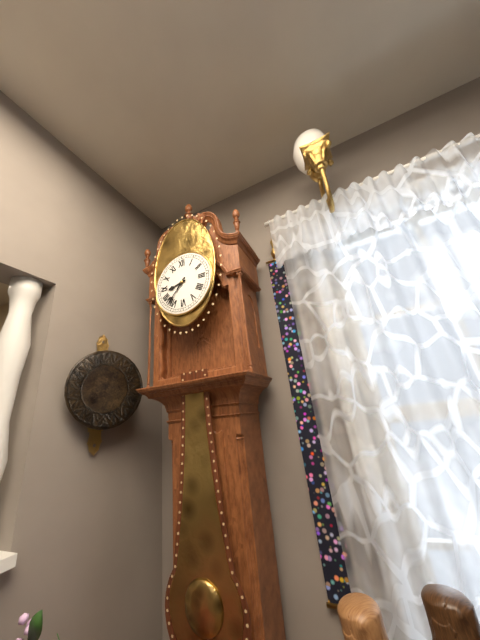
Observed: **8:37**
